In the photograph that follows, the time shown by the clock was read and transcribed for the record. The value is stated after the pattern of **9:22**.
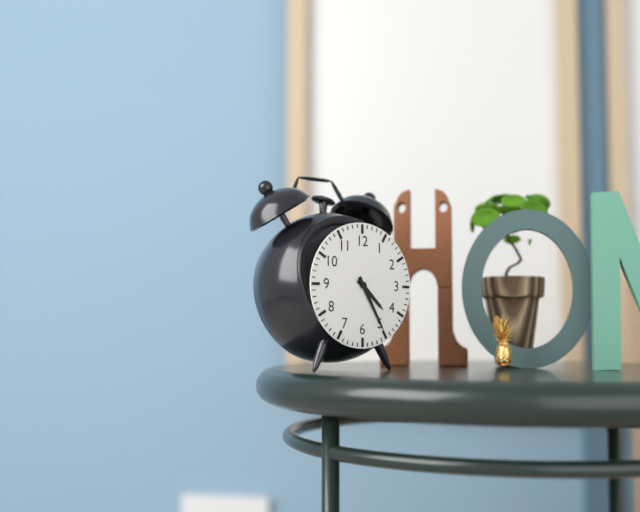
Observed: **4:25**
